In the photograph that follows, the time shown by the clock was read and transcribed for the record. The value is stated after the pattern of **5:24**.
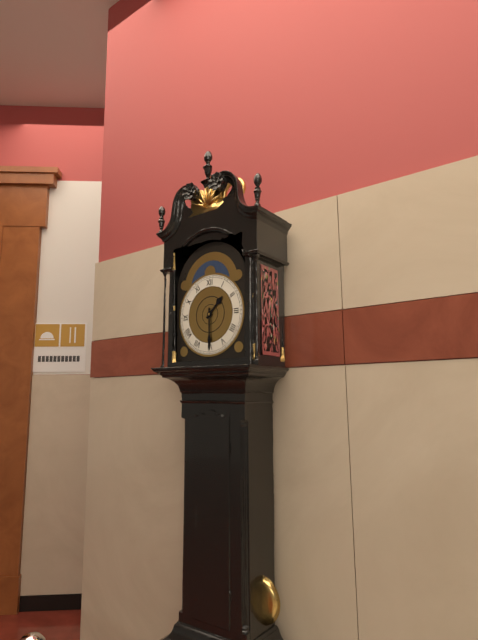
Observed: **1:30**
